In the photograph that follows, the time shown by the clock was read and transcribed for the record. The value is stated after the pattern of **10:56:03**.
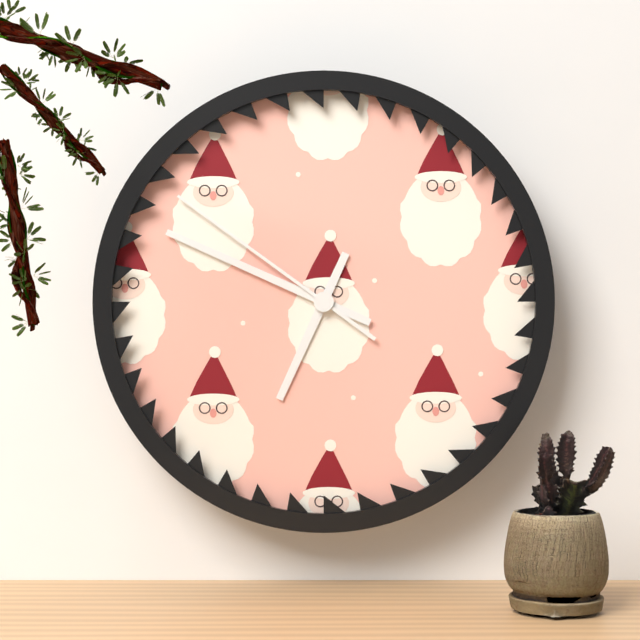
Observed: **6:49:51**
